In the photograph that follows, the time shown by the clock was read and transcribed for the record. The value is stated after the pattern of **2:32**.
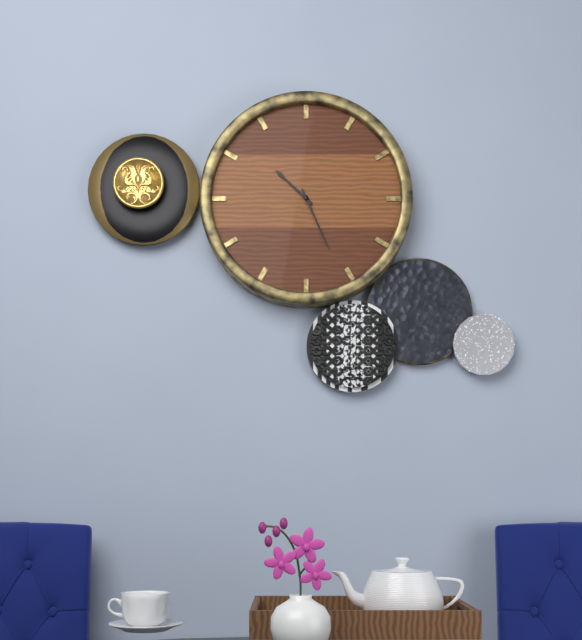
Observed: **10:26**
